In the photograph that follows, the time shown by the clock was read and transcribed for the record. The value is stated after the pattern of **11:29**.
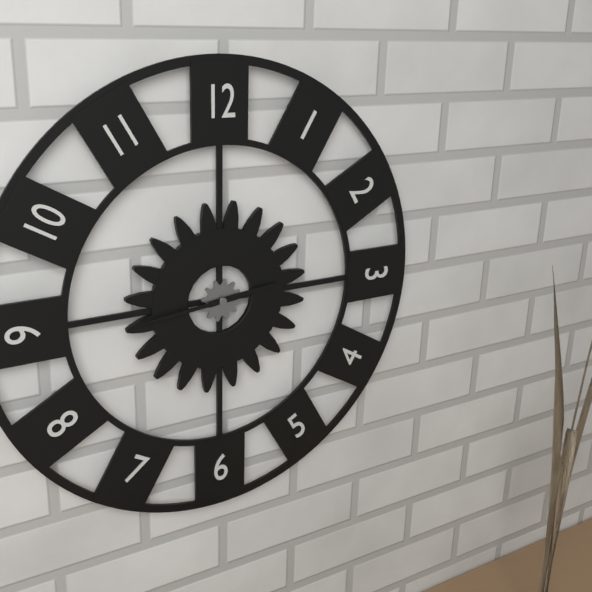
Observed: **2:44**
